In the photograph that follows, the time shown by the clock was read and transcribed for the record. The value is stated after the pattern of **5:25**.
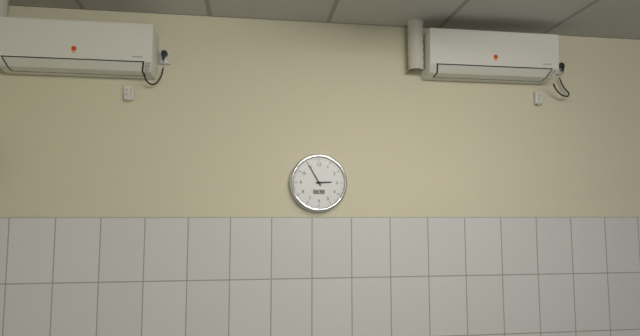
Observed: **2:55**
